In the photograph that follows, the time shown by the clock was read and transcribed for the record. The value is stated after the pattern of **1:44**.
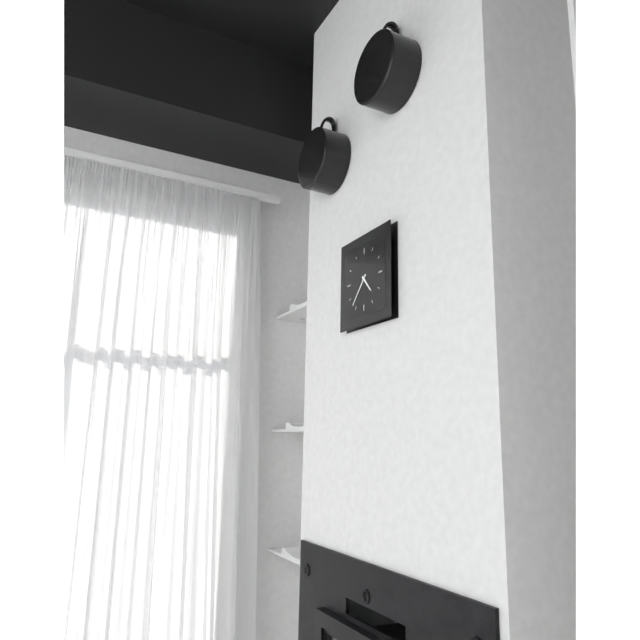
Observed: **4:37**
